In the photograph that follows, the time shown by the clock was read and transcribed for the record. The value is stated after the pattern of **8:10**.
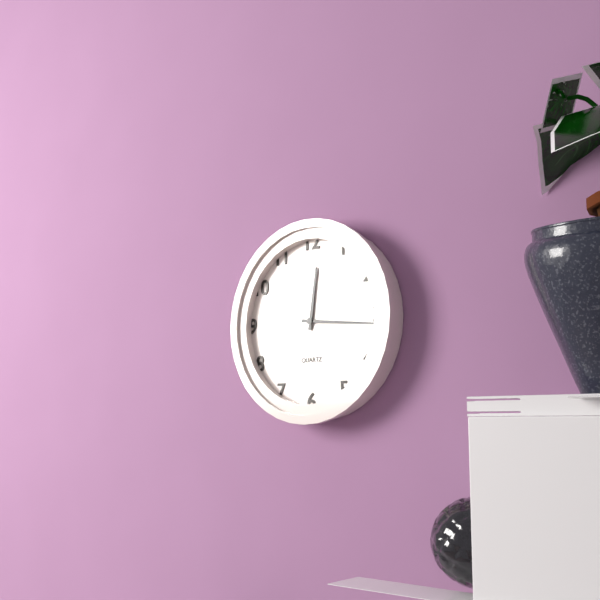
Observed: **12:16**
